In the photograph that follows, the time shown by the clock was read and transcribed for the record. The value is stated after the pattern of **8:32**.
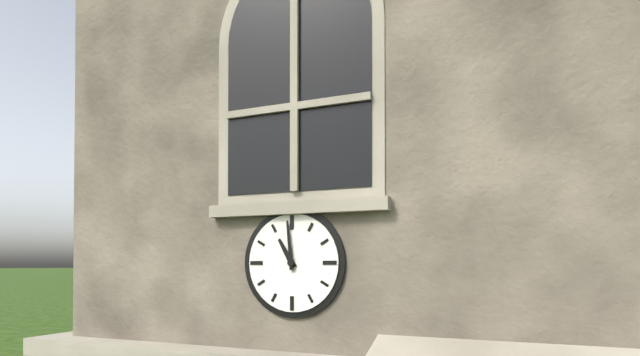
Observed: **10:59**
